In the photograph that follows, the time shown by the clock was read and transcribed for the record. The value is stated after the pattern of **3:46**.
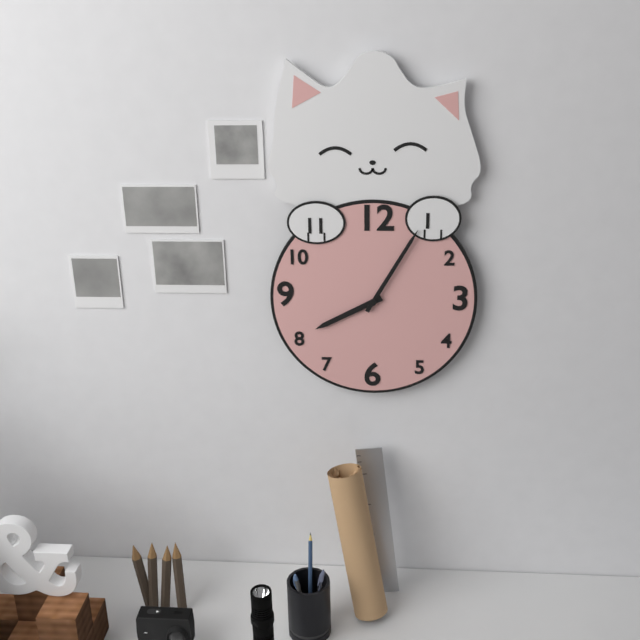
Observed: **8:05**
